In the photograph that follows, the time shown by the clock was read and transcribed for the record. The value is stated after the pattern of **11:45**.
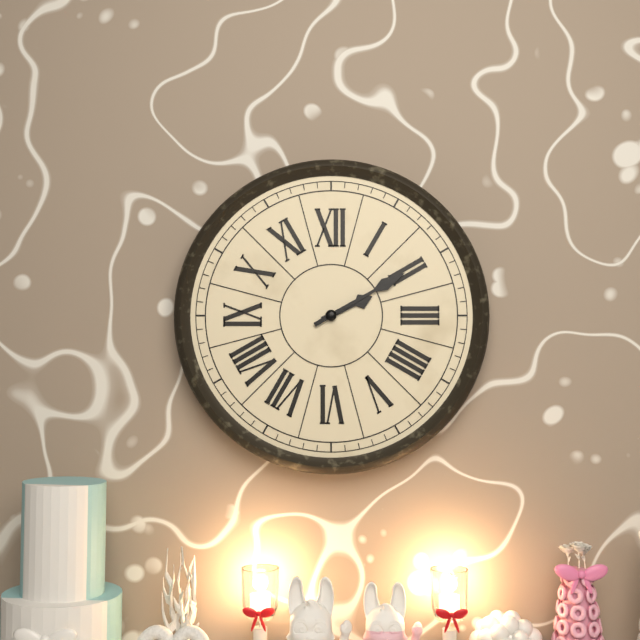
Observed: **2:10**
